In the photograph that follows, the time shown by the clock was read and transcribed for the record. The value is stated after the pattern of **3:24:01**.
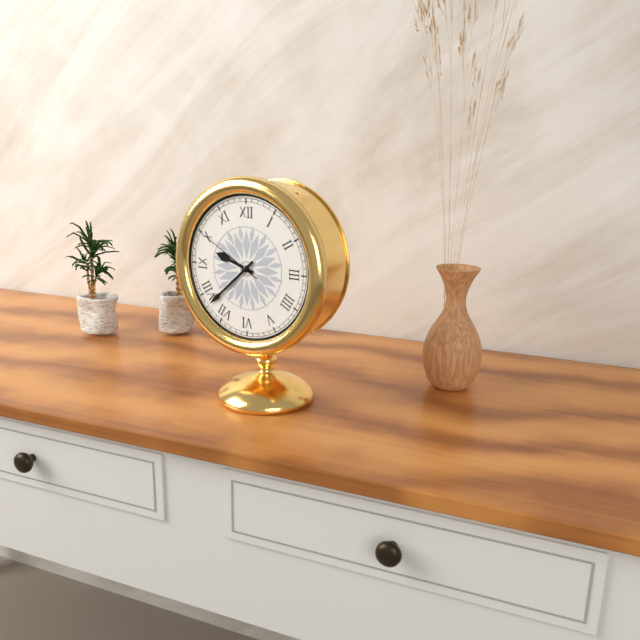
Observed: **9:38:50**
